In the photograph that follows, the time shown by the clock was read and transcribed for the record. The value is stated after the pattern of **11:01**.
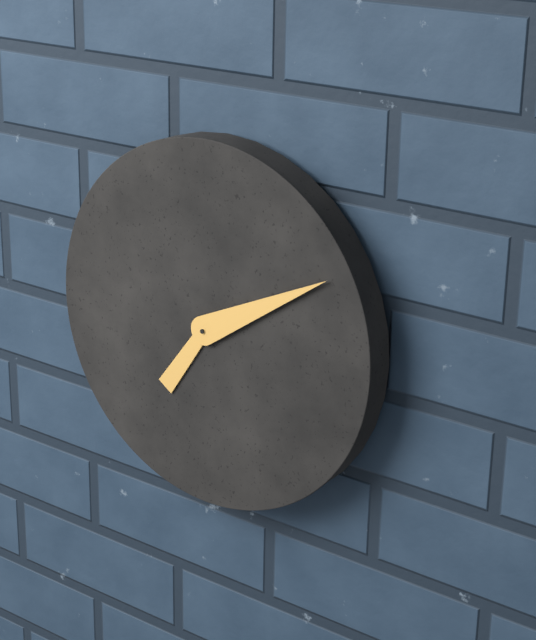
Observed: **7:10**
